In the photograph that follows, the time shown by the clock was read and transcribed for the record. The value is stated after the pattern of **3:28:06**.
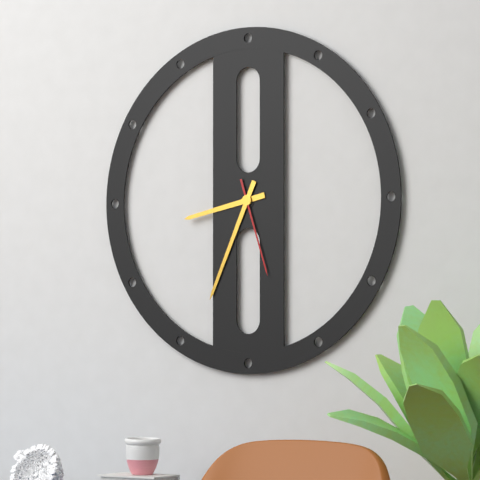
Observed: **8:34:27**
